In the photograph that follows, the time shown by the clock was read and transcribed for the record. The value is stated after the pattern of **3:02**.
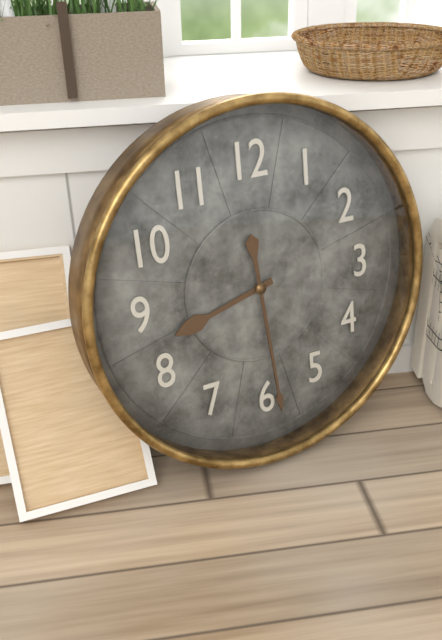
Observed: **8:29**
